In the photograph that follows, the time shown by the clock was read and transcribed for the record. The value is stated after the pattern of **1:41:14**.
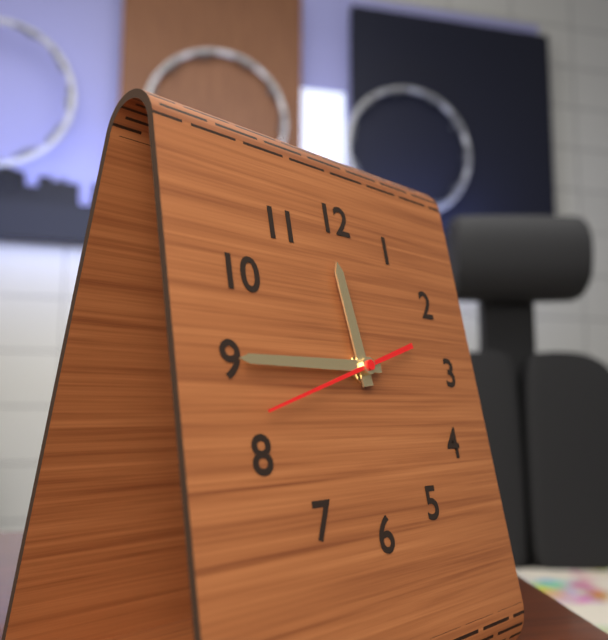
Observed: **11:45:42**
